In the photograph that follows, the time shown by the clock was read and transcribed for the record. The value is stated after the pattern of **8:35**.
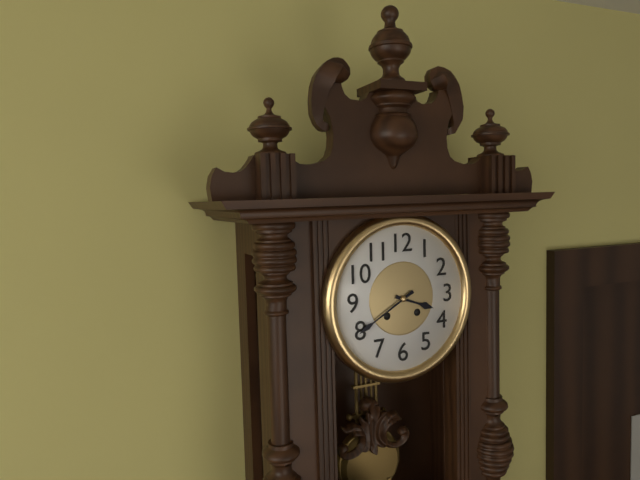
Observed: **3:40**
